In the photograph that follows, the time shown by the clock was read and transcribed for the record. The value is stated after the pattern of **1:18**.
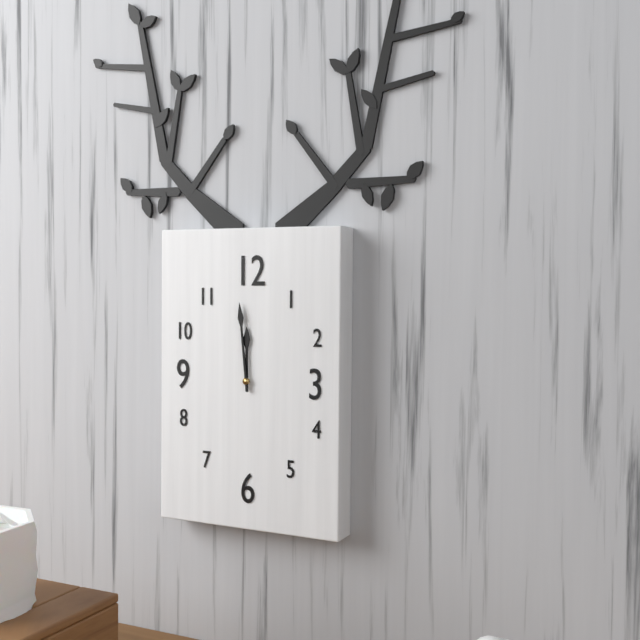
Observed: **11:59**
